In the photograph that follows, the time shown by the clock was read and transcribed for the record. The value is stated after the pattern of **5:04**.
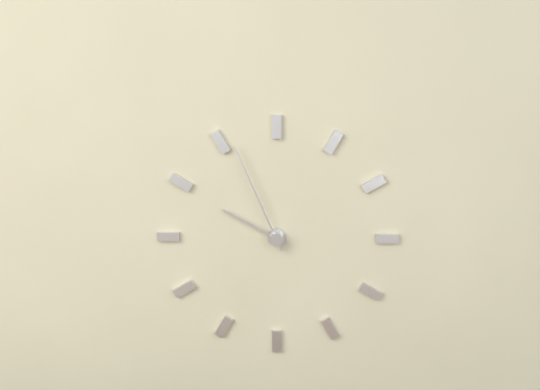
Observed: **9:56**
